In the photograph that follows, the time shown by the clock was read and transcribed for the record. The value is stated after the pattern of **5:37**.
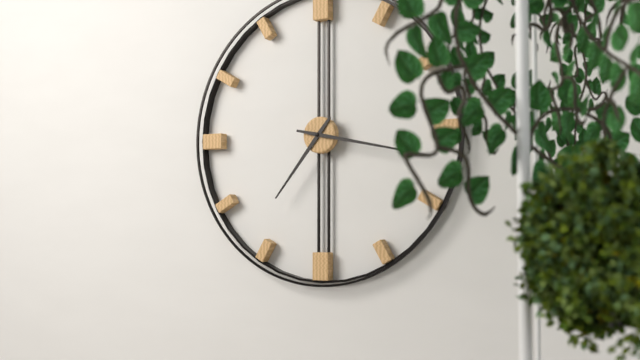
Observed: **7:17**
